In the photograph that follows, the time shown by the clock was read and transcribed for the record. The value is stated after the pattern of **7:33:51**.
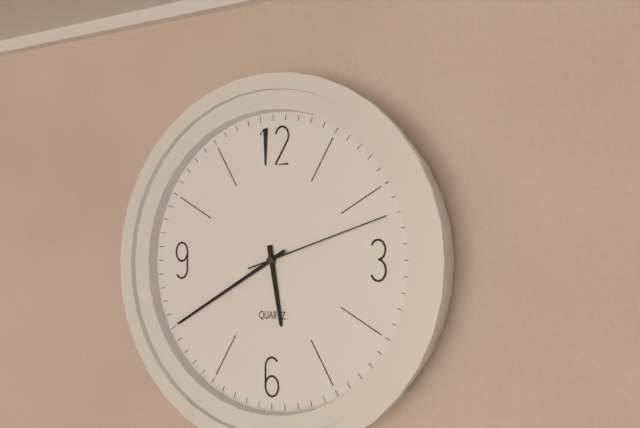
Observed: **5:40:12**
